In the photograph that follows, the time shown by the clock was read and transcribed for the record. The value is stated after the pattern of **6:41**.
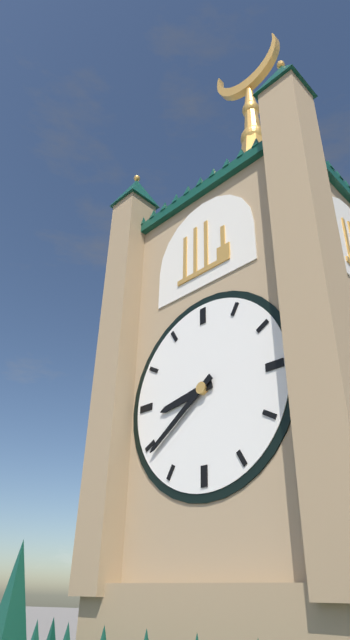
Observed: **8:39**
